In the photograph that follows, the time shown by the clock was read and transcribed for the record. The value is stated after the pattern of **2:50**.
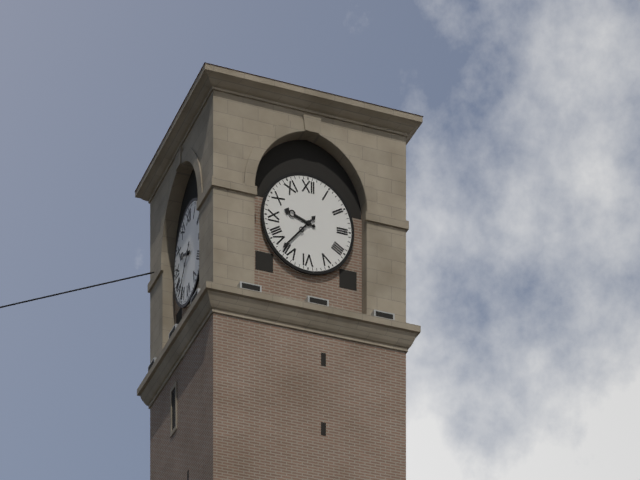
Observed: **9:37**
